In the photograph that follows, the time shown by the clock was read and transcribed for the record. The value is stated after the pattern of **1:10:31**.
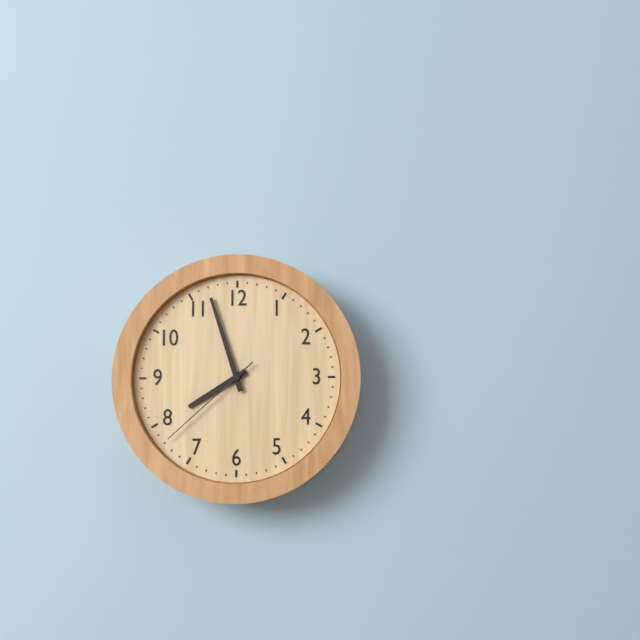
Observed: **7:57:38**
